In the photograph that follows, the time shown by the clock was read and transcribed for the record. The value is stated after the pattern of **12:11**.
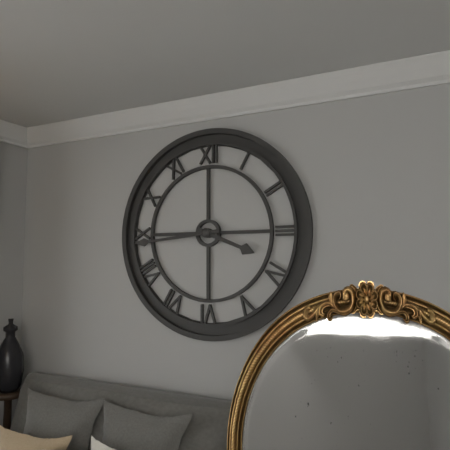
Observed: **3:44**
